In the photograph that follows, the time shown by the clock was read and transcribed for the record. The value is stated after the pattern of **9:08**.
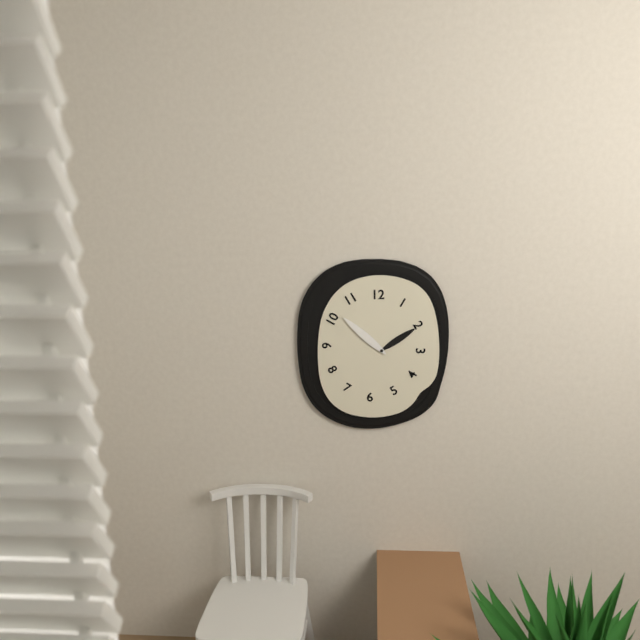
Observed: **1:52**
